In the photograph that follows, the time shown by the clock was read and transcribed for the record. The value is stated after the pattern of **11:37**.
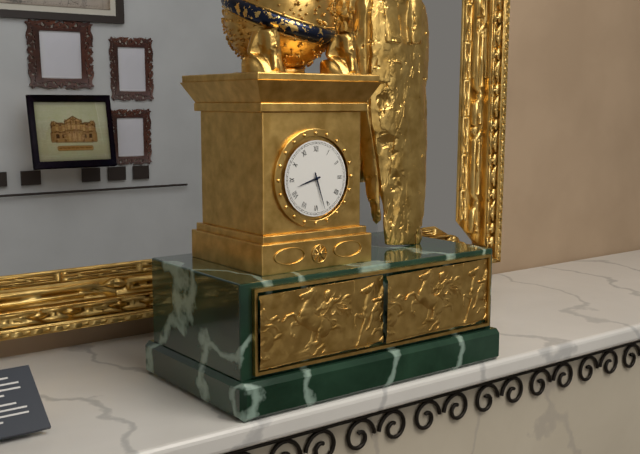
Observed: **8:27**
